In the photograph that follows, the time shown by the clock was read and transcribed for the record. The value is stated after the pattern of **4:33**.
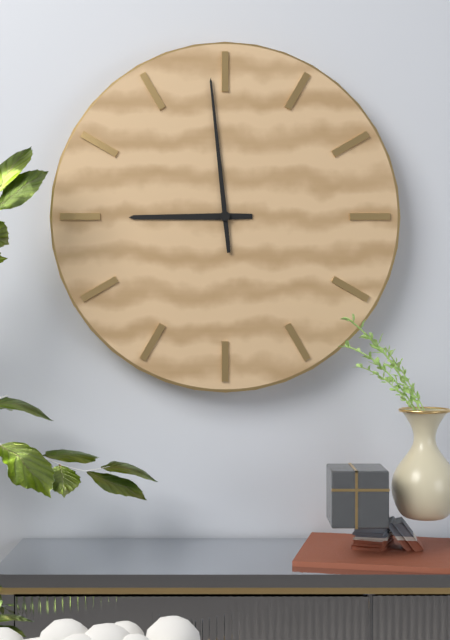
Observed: **8:59**
